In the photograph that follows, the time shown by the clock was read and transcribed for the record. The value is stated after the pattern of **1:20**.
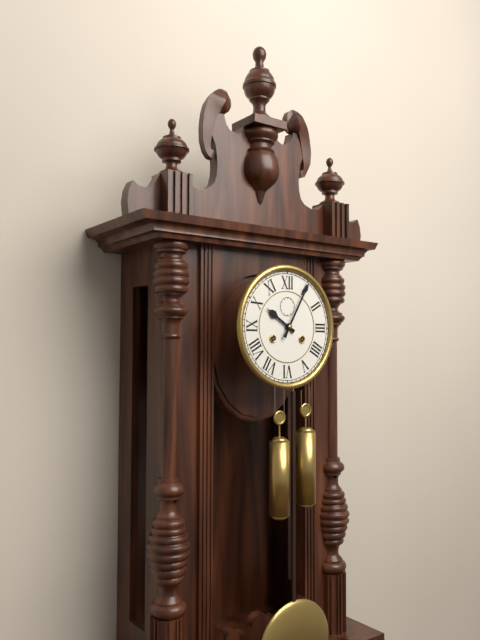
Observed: **10:05**
